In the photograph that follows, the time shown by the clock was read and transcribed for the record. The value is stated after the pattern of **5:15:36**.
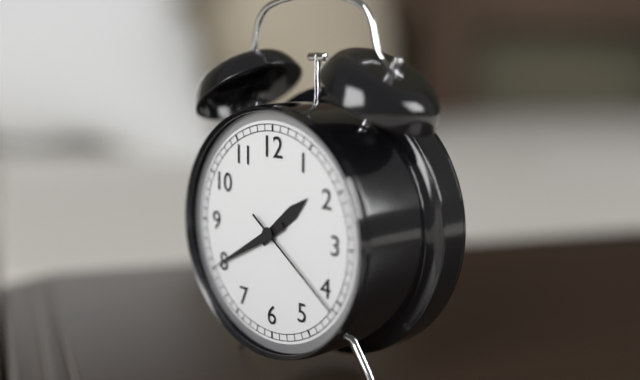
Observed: **1:40:21**
